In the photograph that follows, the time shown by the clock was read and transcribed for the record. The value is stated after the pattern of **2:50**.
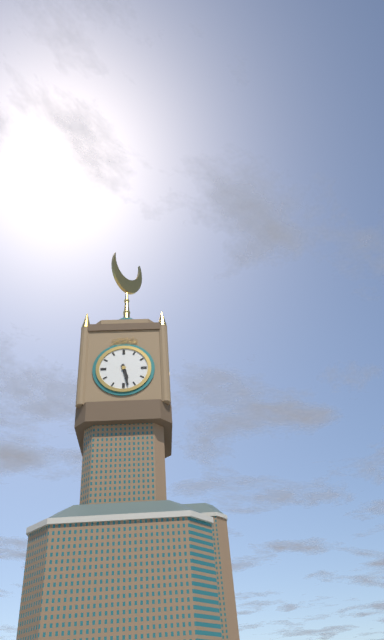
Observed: **5:28**
